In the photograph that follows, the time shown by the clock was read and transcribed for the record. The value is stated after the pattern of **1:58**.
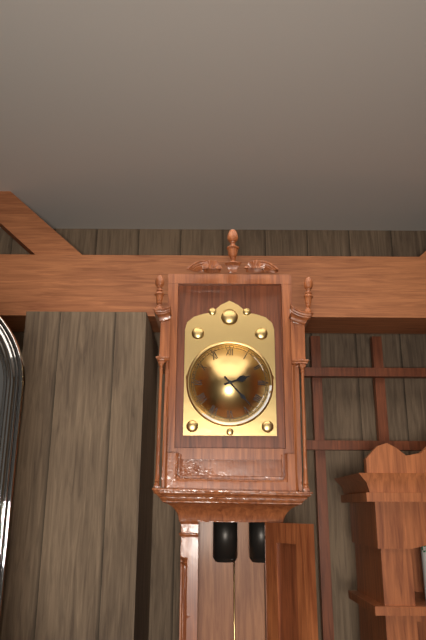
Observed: **2:23**
